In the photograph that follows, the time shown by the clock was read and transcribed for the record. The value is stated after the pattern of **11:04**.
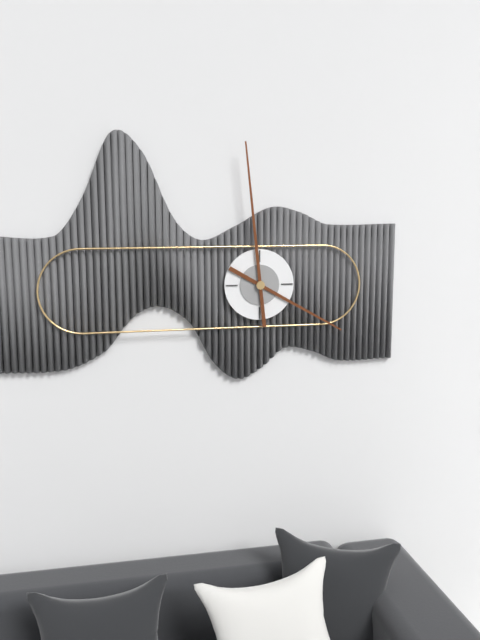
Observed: **3:59**
